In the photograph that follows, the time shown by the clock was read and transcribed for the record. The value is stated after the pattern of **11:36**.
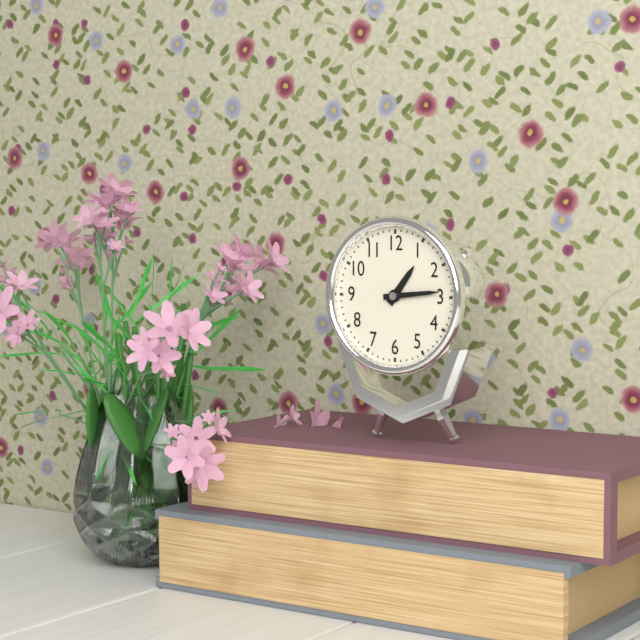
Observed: **1:14**
